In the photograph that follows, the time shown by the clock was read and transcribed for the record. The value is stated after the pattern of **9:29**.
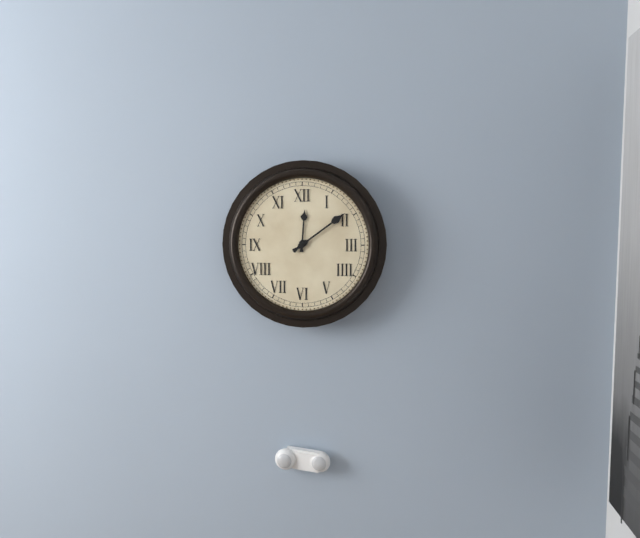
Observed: **12:09**
